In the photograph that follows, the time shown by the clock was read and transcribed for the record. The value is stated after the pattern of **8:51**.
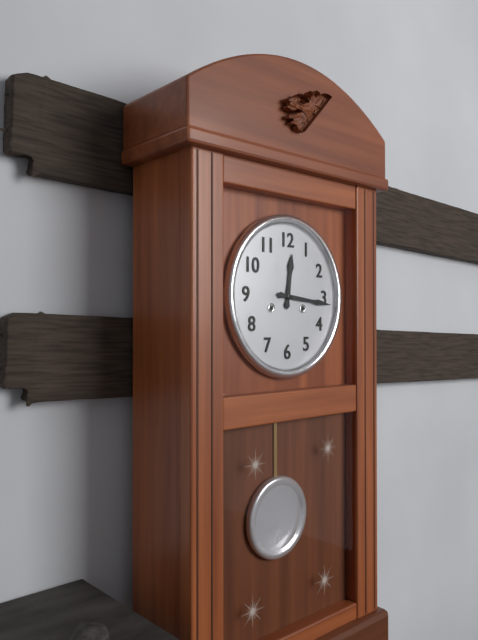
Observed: **12:16**
